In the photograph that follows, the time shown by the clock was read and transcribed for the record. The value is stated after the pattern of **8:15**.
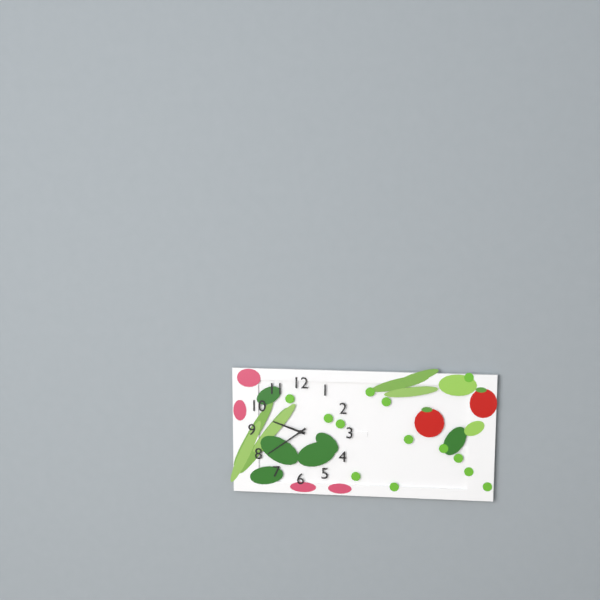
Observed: **9:39**
